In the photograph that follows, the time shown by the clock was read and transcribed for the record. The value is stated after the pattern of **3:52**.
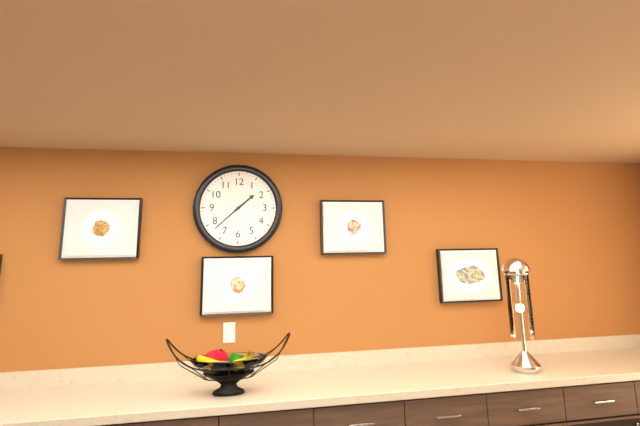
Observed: **1:38**
